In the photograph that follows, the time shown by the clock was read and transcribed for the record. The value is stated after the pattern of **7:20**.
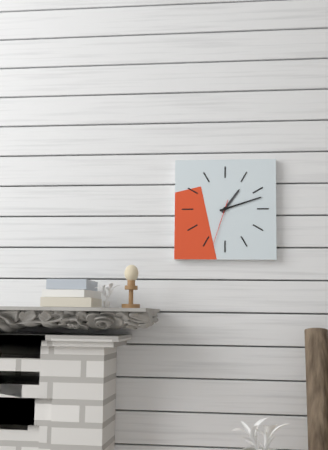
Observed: **1:12**
